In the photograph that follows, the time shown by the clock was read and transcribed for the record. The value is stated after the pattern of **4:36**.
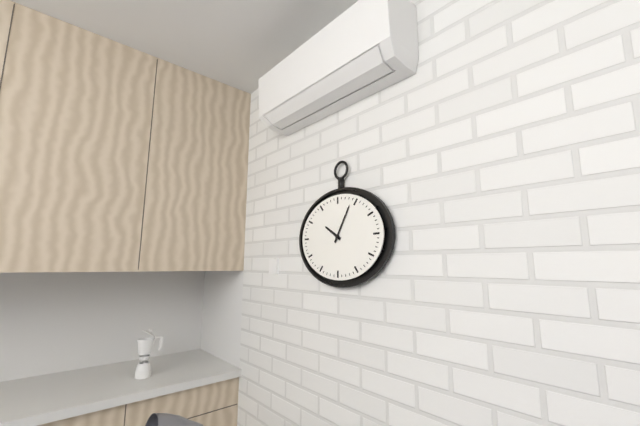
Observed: **10:05**
